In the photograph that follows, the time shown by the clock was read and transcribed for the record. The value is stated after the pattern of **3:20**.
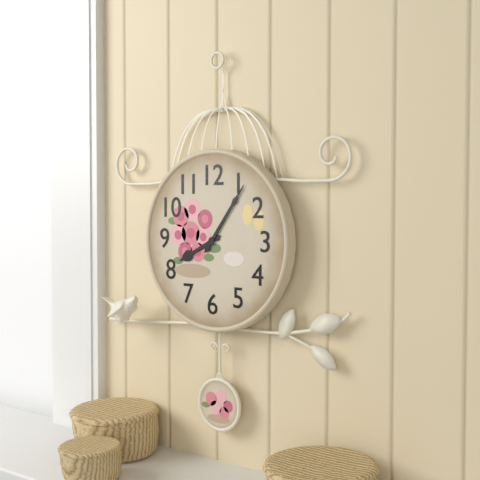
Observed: **8:06**
